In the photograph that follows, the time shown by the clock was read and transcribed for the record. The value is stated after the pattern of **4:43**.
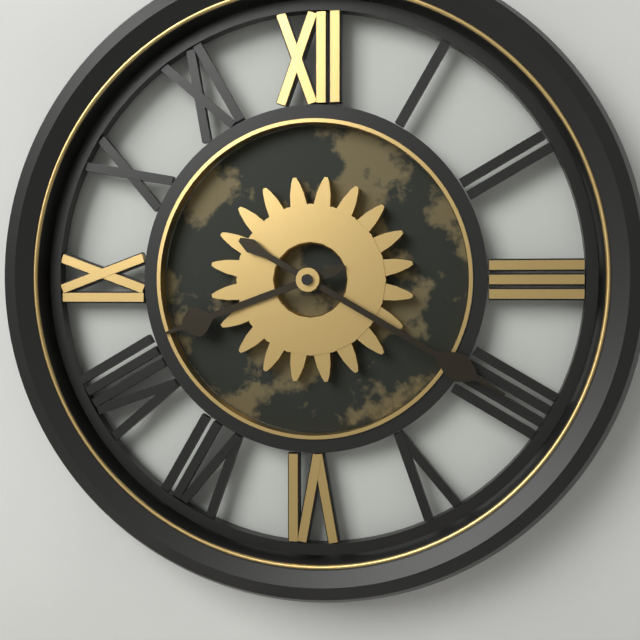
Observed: **8:20**
